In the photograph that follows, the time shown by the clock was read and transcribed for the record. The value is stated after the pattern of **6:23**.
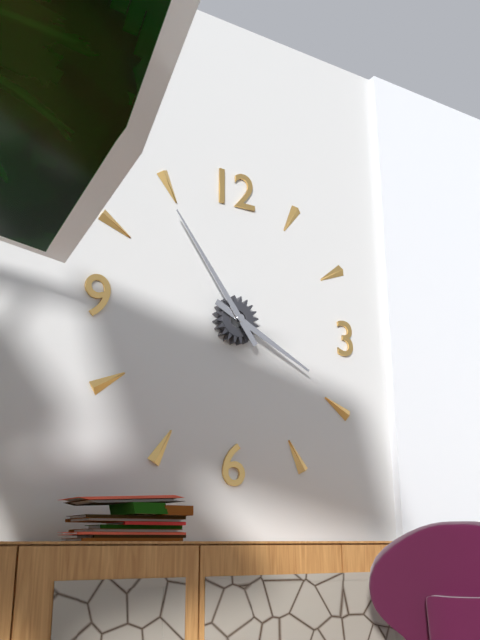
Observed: **3:54**
